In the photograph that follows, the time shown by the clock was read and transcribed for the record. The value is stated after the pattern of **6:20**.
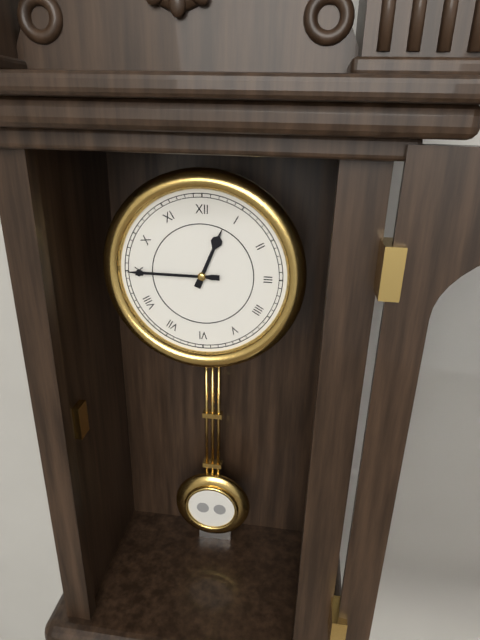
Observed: **12:45**
